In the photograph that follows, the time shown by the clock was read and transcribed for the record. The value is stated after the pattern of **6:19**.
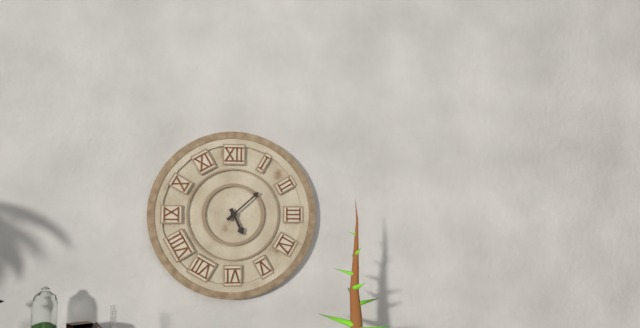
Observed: **5:08**
